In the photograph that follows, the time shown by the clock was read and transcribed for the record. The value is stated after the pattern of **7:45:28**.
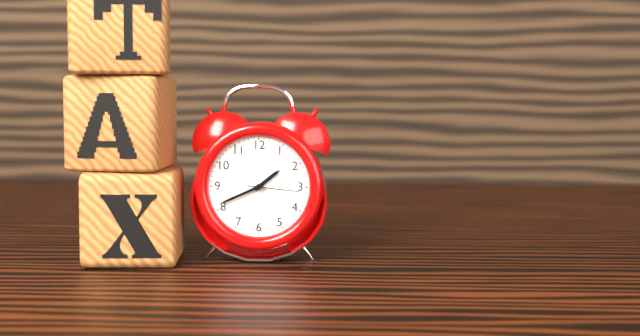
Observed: **1:41:16**
